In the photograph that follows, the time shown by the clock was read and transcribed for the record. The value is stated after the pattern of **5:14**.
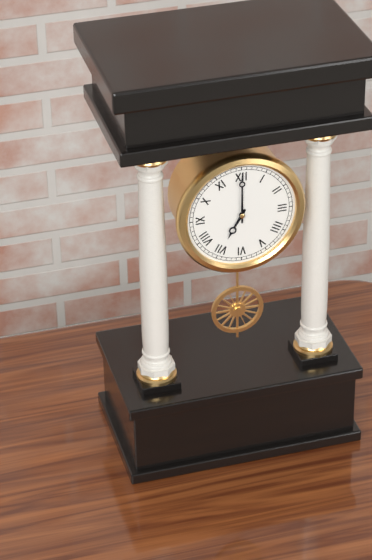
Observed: **7:00**
